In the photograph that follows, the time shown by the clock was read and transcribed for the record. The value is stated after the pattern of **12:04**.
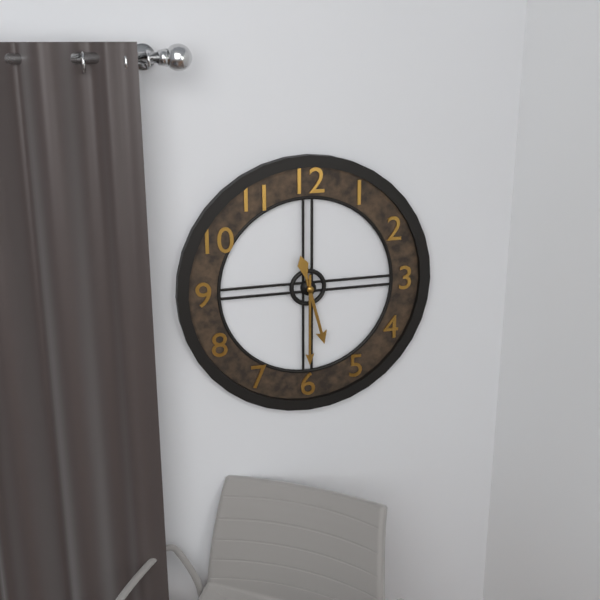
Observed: **5:30**
